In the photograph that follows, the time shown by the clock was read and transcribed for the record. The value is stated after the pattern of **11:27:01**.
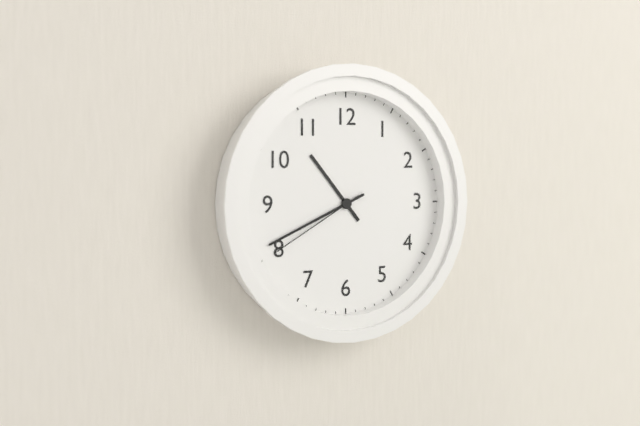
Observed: **10:41:40**
